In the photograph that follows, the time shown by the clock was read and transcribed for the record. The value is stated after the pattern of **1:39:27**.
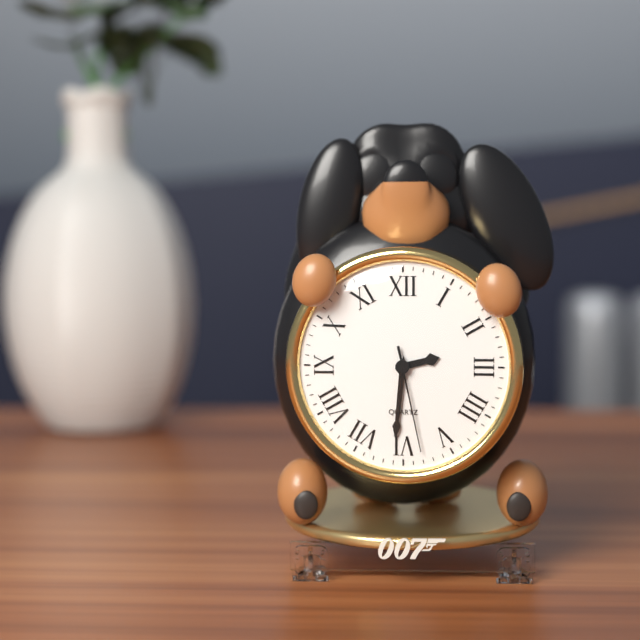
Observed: **2:31:28**
